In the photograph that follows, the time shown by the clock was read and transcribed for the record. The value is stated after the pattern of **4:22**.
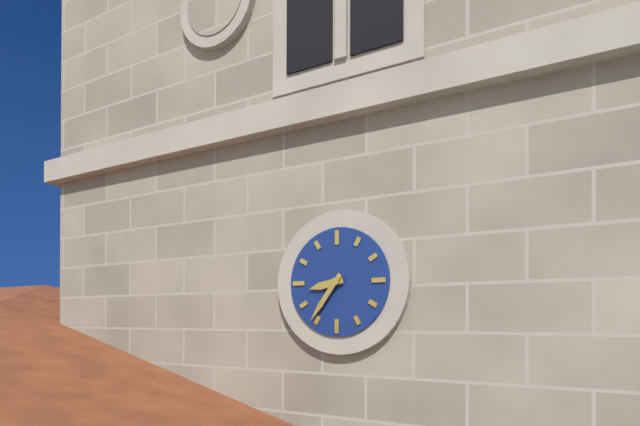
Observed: **8:36**
